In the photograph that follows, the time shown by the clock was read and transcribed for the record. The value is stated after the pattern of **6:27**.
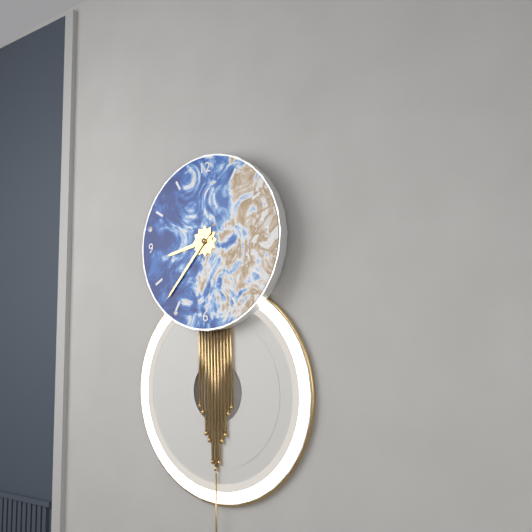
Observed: **8:37**
